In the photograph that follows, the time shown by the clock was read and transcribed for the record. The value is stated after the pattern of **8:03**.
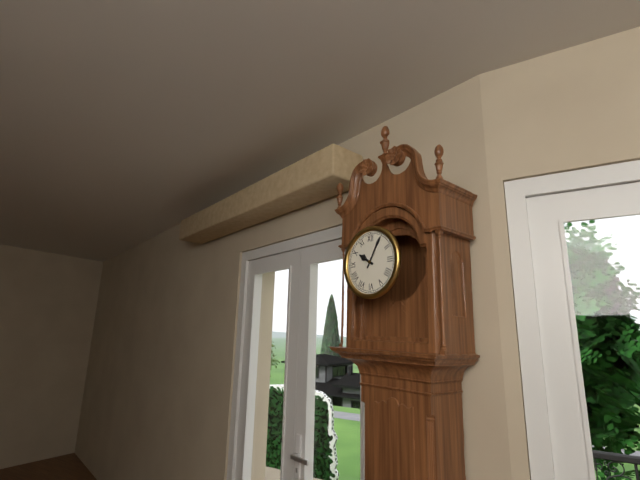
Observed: **10:05**
